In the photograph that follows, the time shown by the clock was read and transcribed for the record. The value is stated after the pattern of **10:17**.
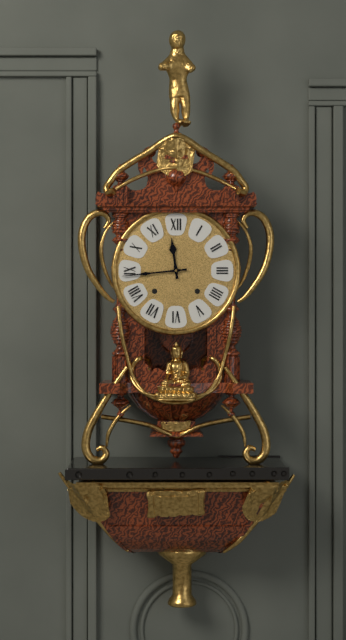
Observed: **11:44**
